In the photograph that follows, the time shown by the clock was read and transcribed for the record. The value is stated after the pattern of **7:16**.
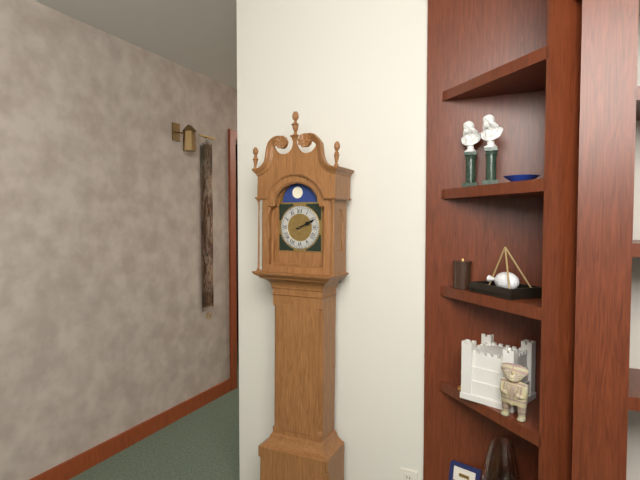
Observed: **2:11**
